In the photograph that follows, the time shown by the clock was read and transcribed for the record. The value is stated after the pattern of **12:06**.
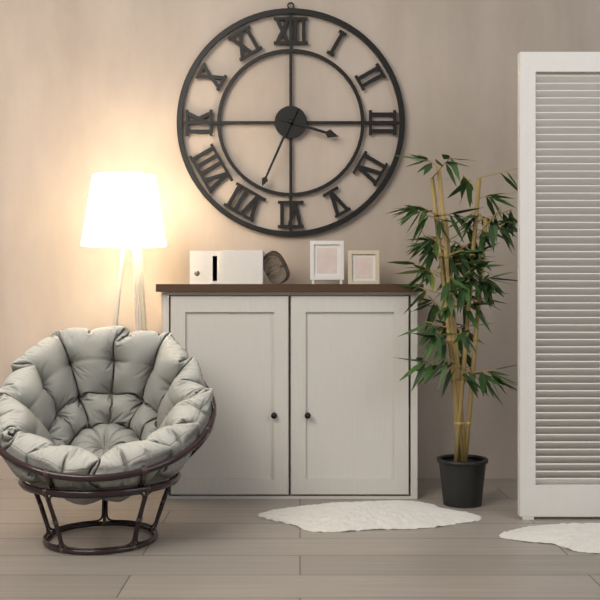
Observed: **3:34**
